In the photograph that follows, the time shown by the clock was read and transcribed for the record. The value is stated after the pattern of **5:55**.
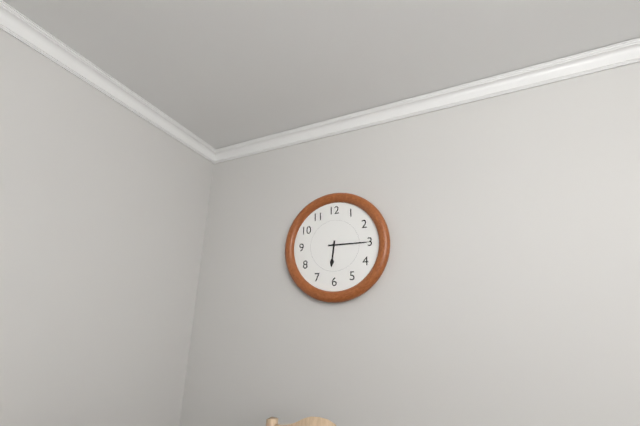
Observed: **6:15**
